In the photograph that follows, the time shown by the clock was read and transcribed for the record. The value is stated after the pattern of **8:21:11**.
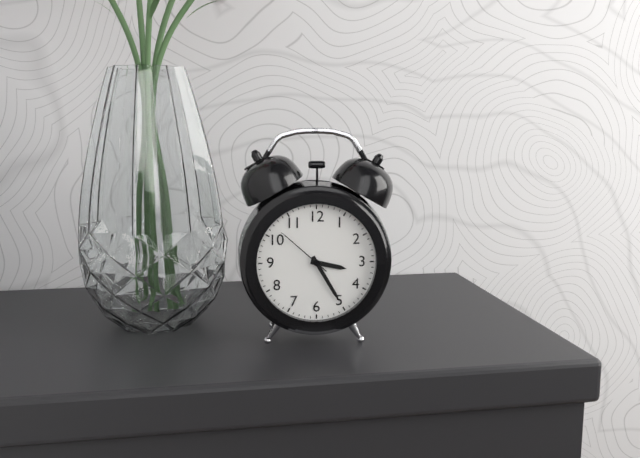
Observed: **3:25:52**
